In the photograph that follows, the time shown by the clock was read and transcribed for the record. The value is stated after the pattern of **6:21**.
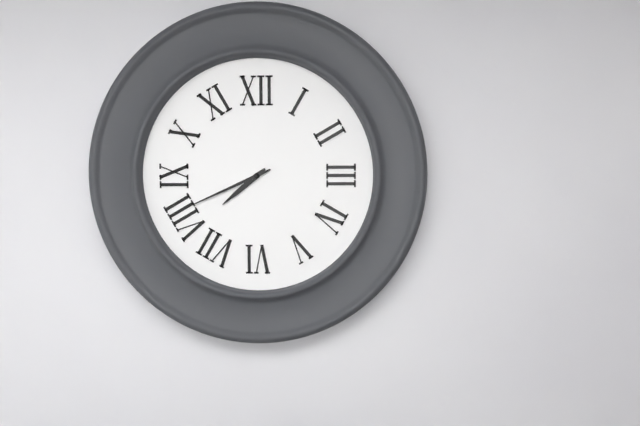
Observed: **7:41**
